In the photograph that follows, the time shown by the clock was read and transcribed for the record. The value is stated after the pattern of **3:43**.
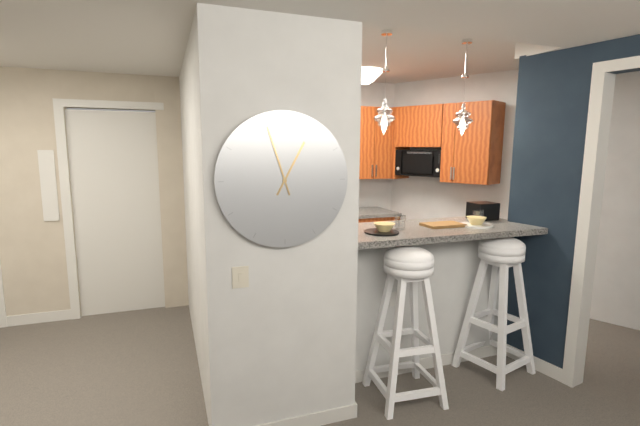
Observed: **12:57**
